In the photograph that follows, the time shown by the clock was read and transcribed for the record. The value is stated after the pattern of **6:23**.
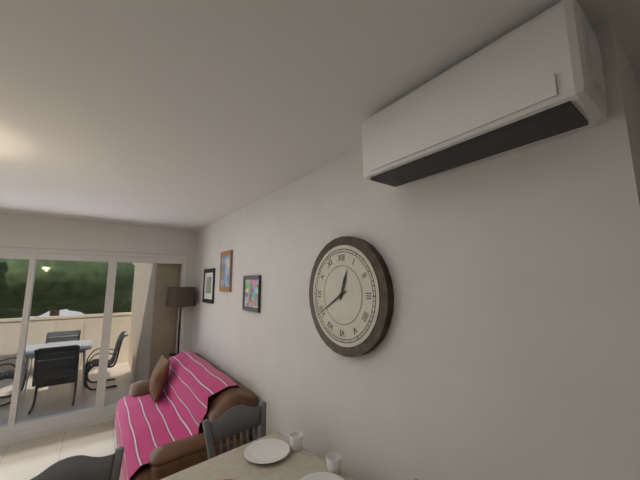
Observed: **12:40**
